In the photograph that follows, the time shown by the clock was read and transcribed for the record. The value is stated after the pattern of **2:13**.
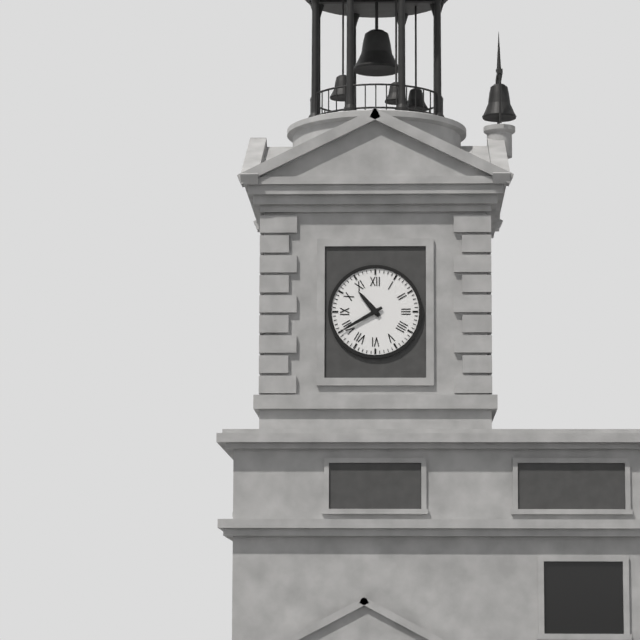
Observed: **10:40**
